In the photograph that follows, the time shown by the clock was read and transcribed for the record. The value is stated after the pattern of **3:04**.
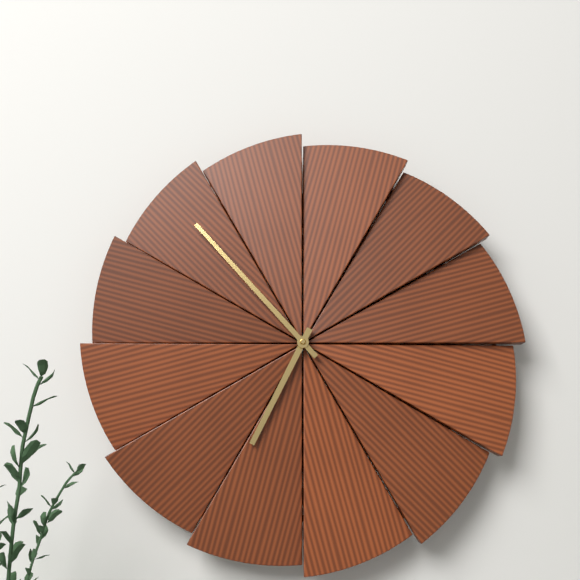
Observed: **6:53**
